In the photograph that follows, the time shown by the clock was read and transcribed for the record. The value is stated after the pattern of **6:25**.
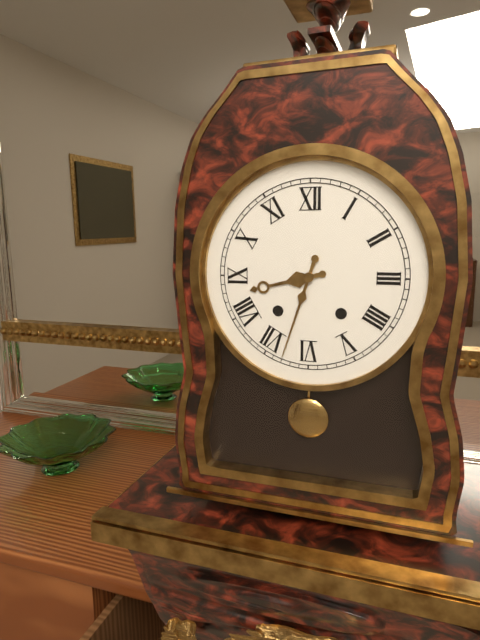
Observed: **8:33**
